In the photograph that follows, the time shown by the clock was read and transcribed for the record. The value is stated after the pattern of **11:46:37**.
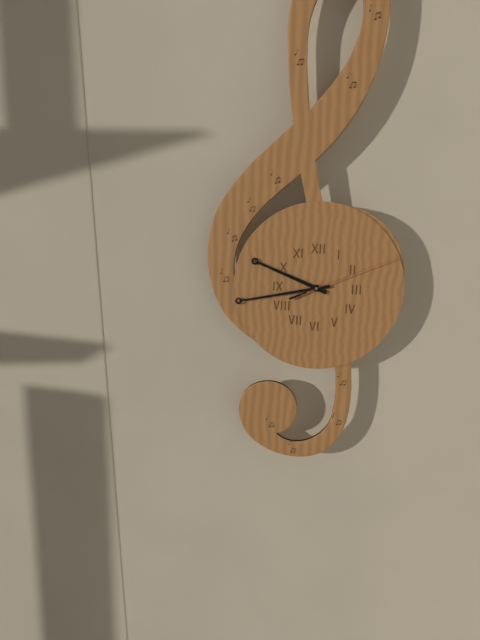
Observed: **9:43:11**
